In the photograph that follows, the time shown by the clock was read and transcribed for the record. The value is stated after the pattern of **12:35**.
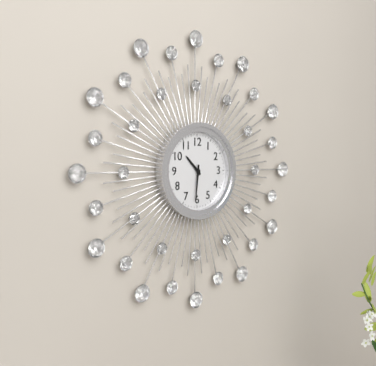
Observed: **10:31**
